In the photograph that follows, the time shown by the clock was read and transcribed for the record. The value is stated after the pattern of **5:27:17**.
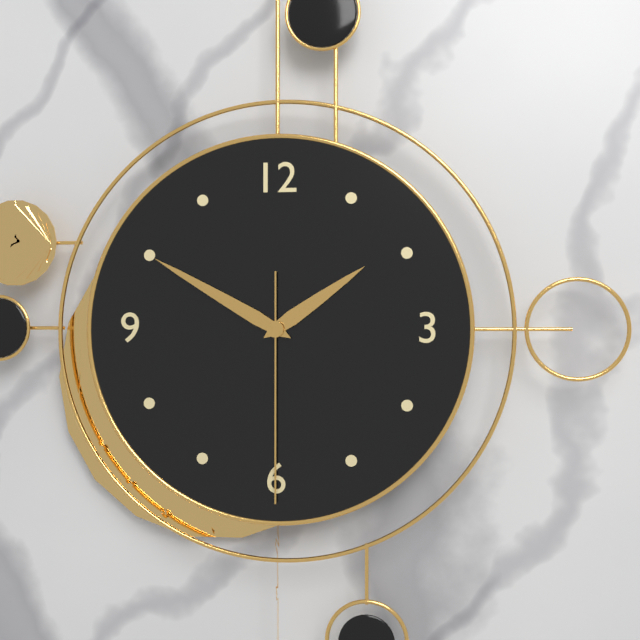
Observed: **1:50:30**
